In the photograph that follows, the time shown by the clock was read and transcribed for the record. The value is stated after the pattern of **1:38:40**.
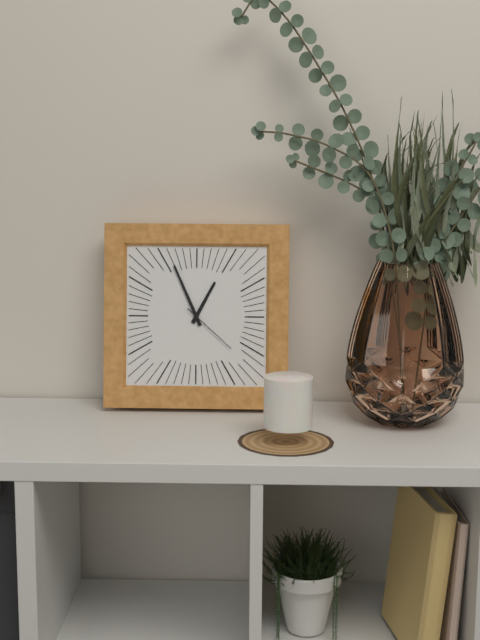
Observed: **12:56:22**
